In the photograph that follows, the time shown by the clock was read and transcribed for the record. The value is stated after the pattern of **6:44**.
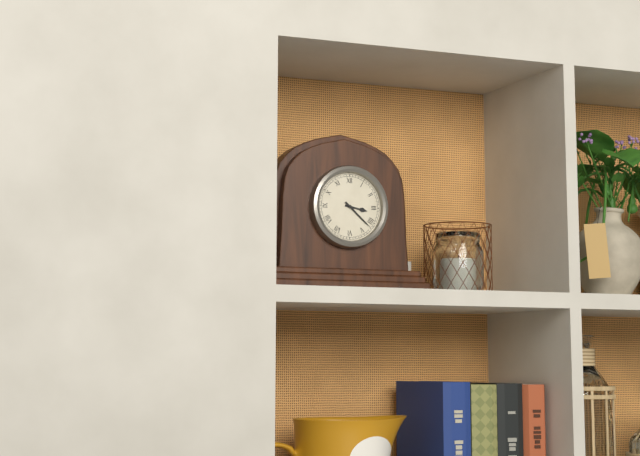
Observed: **3:22**
